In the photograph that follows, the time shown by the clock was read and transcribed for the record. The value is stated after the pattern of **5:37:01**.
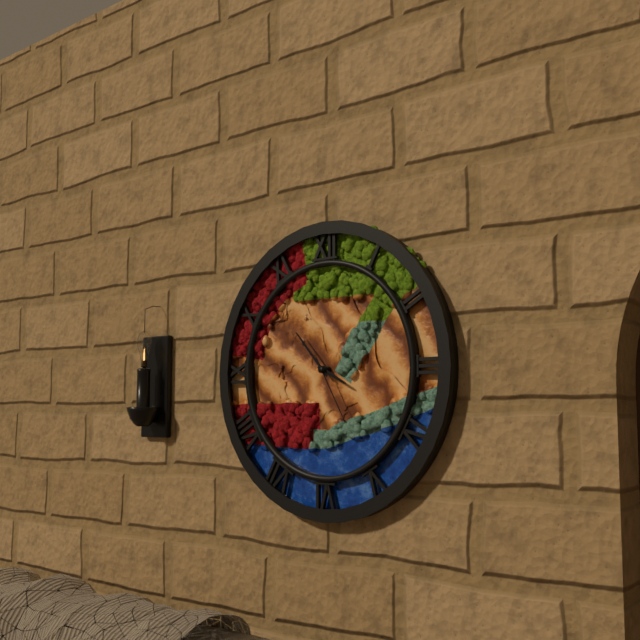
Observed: **3:53:25**
